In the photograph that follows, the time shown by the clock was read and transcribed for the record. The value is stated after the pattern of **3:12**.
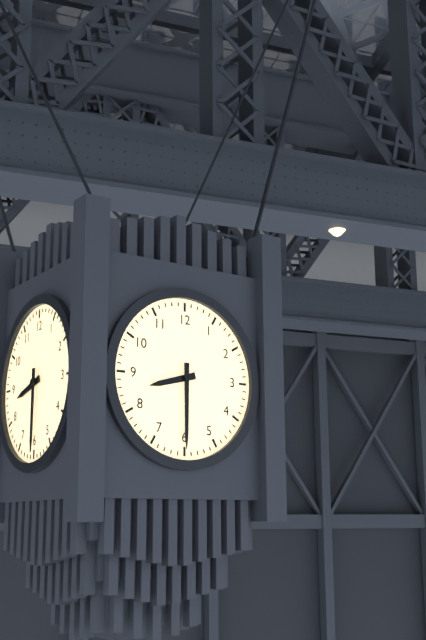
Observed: **8:30**
